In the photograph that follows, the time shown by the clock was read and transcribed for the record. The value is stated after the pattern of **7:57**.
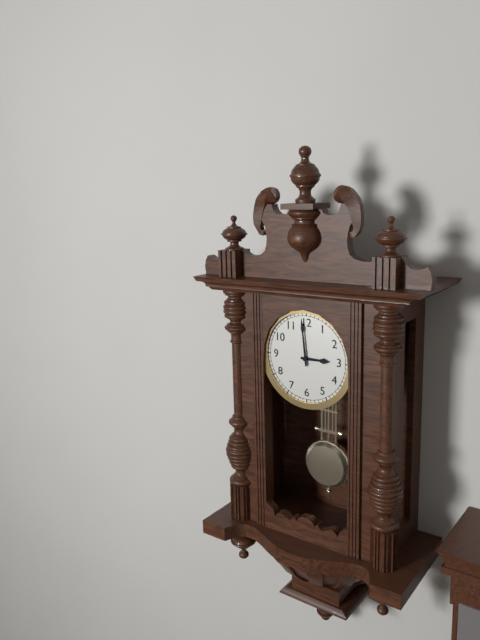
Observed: **2:59**
